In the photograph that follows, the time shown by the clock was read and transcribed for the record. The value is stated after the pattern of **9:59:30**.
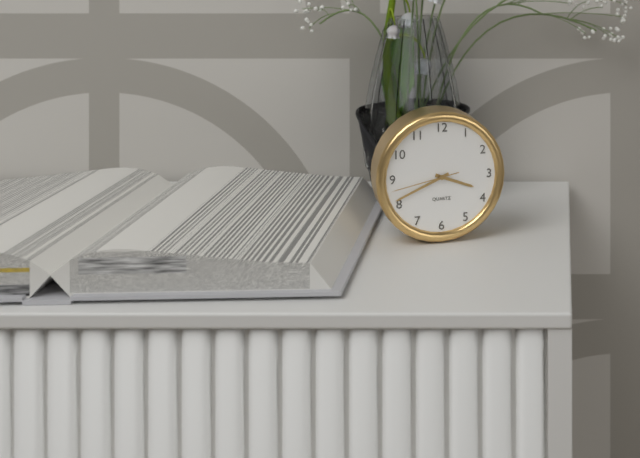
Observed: **3:41:43**
